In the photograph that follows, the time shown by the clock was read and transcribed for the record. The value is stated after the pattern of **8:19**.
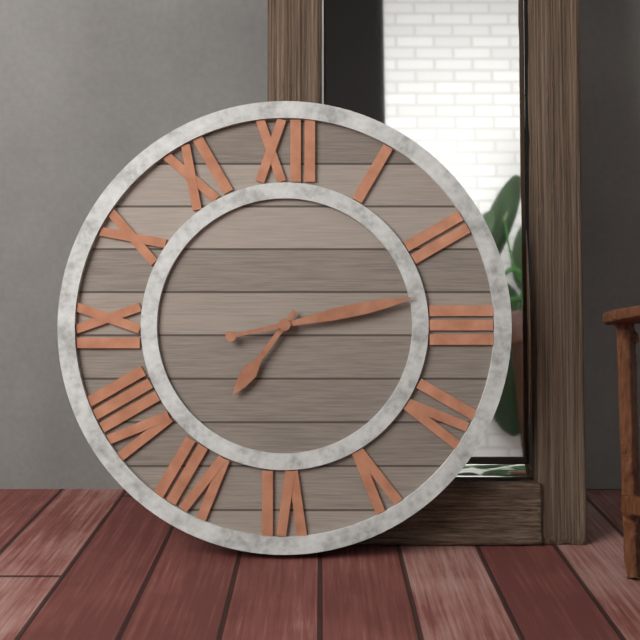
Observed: **7:13**
